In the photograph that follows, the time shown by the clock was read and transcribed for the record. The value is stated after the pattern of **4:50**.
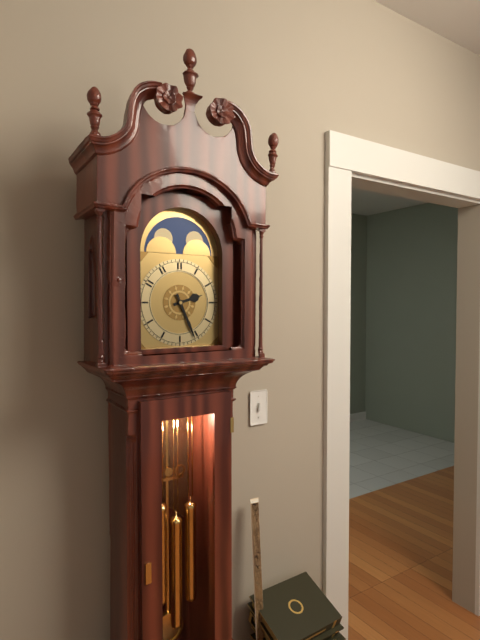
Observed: **2:26**
